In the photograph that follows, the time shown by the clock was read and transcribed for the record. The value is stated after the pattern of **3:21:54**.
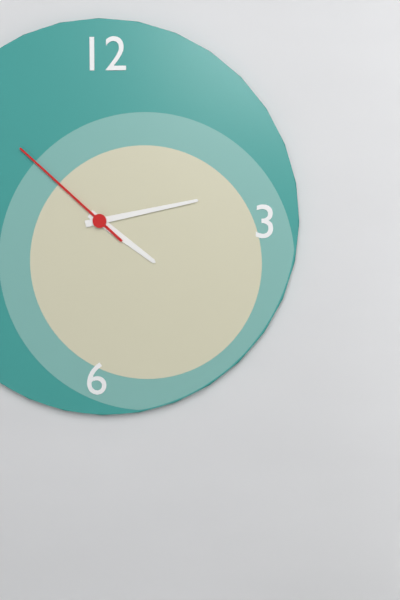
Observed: **4:13:52**
